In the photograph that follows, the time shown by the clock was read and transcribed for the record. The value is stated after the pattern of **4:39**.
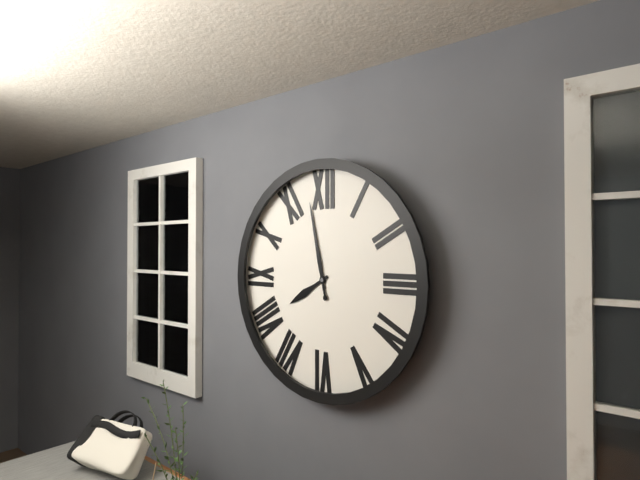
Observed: **7:58**
